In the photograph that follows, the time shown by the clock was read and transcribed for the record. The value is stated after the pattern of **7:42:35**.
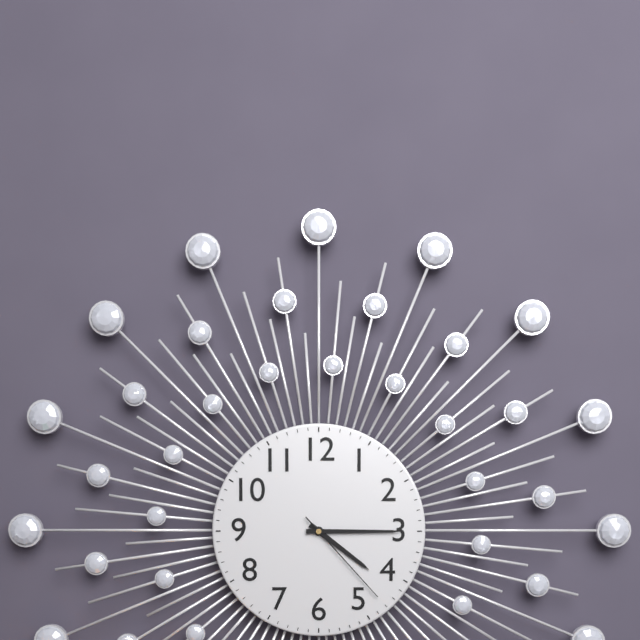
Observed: **4:15:23**
